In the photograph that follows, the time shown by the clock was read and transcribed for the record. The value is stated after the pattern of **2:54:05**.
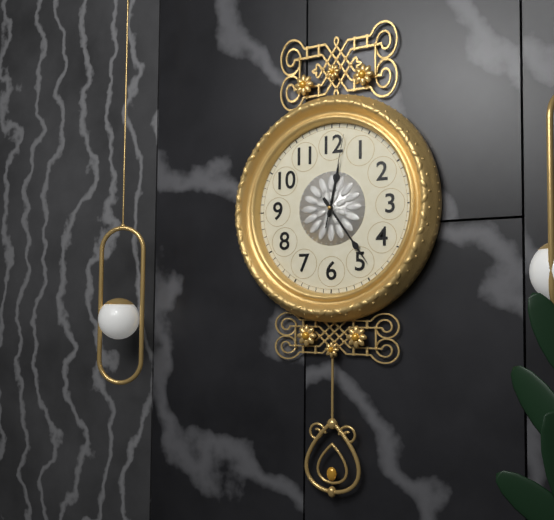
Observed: **12:24:02**
